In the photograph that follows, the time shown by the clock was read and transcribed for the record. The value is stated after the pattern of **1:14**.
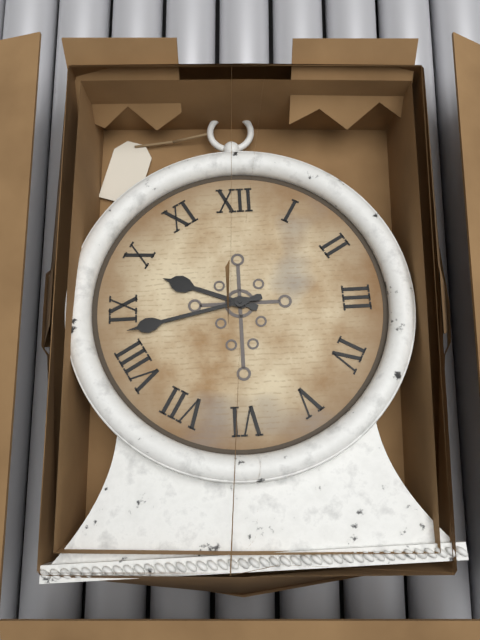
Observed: **9:43**
